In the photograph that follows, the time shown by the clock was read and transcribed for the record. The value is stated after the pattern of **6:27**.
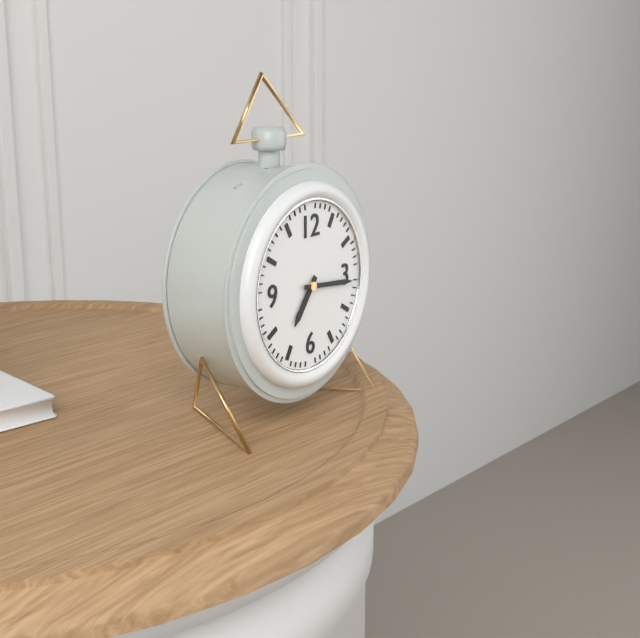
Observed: **7:16**
